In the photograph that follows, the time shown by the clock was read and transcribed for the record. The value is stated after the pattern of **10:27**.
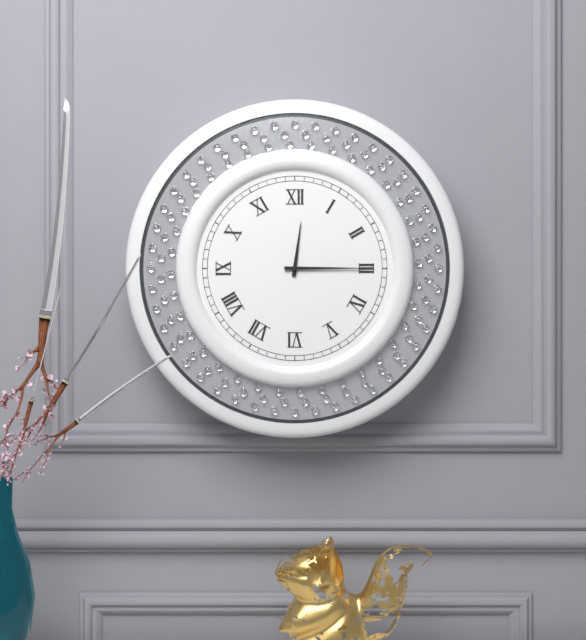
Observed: **12:15**
